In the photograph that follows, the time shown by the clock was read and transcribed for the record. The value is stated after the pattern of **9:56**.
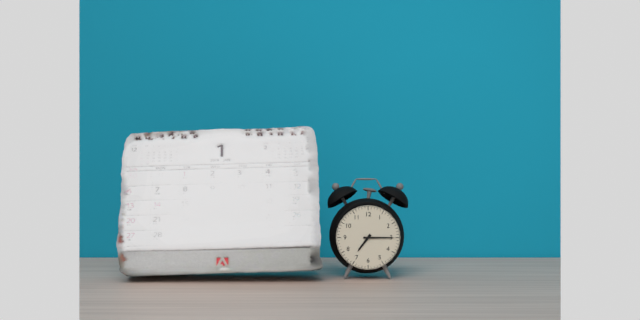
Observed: **7:15**
